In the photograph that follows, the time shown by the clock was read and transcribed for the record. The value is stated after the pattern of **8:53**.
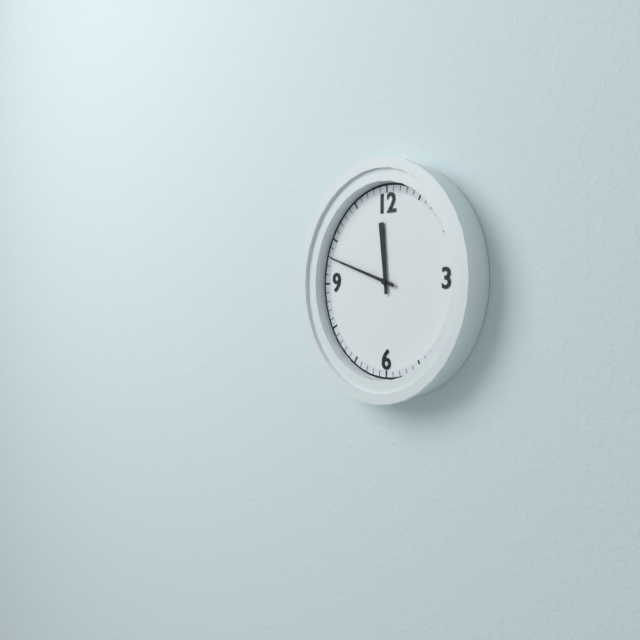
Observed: **11:48**
